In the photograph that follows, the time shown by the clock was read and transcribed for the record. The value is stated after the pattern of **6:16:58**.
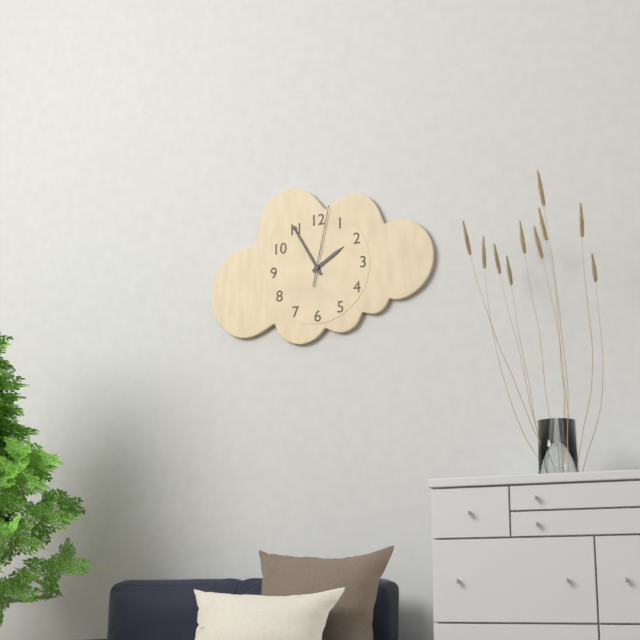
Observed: **1:55:02**
